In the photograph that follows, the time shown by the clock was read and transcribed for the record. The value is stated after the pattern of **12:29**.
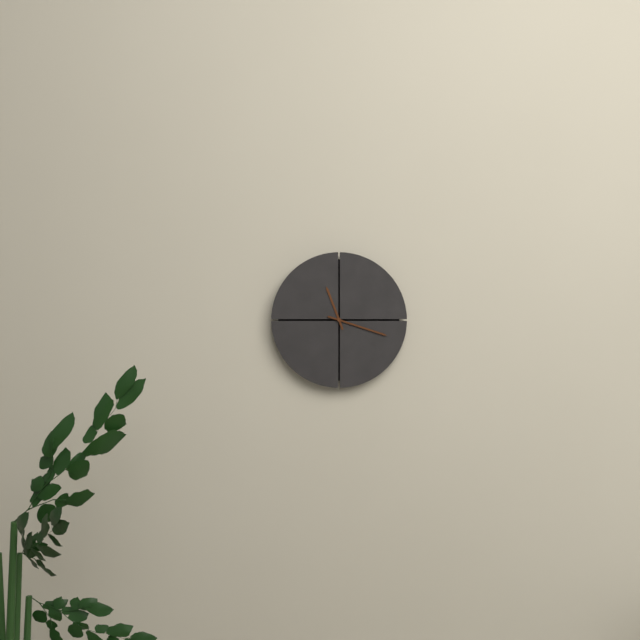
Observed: **11:18**
